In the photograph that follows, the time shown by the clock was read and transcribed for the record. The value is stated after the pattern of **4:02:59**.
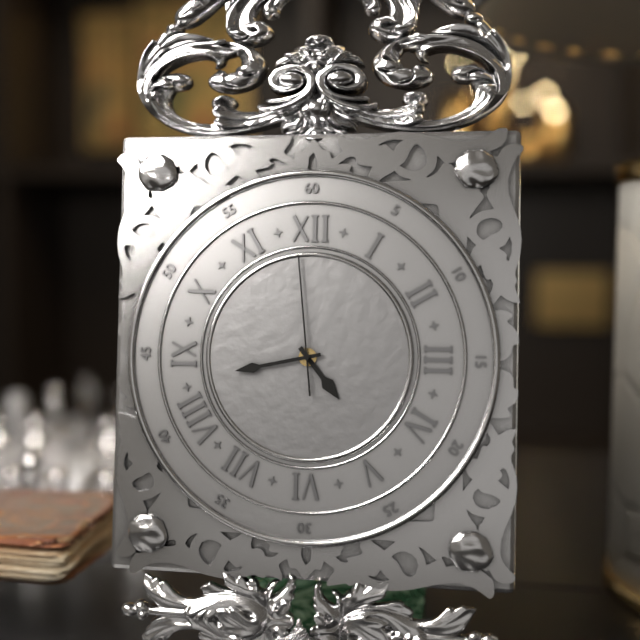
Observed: **4:43:59**
